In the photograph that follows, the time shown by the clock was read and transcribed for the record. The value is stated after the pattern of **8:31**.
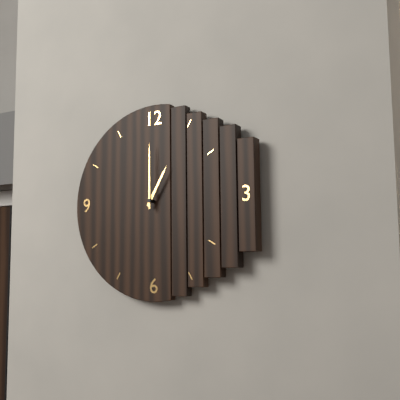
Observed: **1:00**
